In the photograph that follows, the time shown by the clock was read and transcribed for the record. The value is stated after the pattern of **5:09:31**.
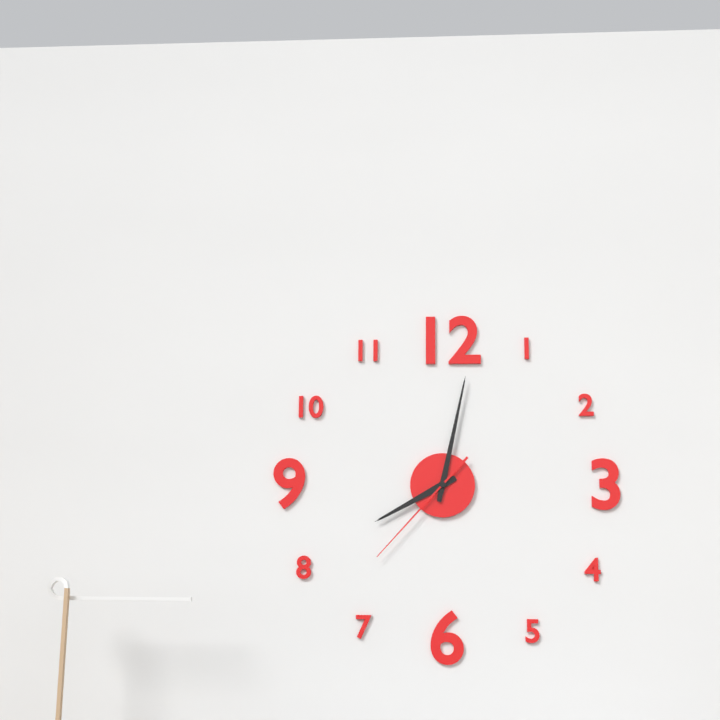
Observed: **8:02:37**
